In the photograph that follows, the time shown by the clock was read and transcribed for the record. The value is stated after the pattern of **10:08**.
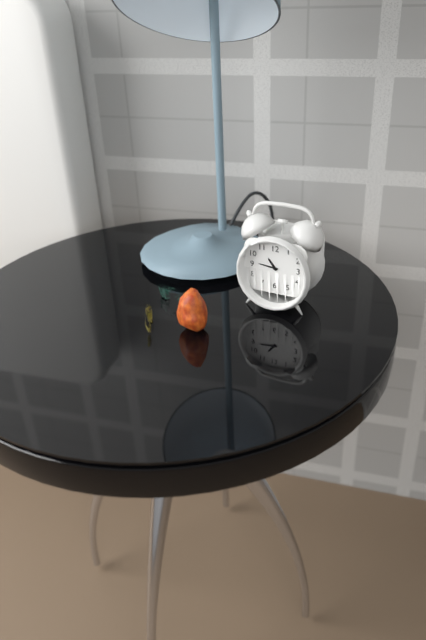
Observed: **10:46**
